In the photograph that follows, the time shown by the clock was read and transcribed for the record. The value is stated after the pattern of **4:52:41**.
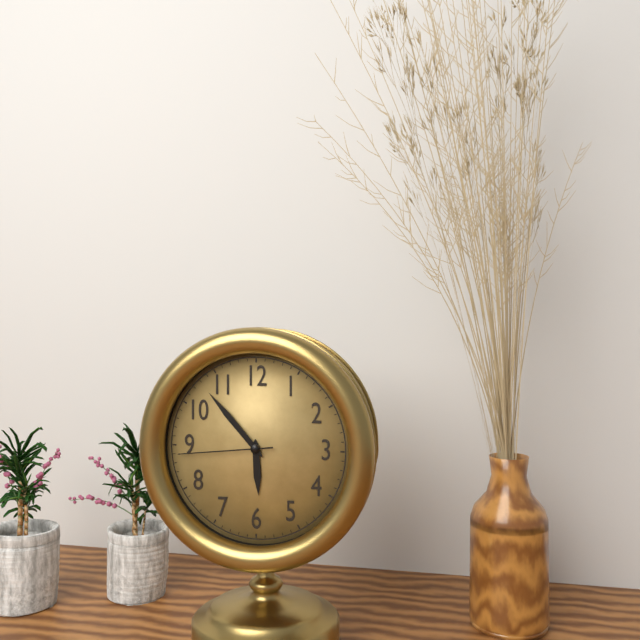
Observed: **5:53:44**
